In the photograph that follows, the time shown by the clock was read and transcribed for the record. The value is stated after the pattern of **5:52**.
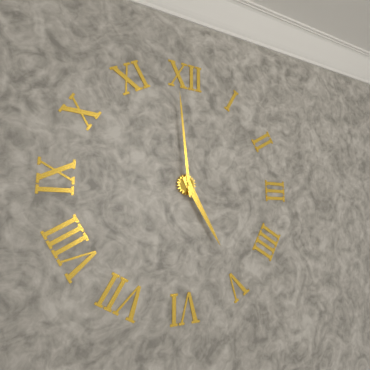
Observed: **4:59**
